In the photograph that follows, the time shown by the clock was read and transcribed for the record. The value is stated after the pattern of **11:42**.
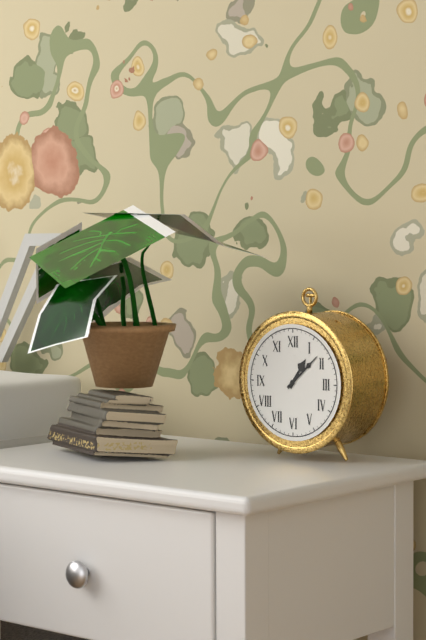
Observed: **1:08**
